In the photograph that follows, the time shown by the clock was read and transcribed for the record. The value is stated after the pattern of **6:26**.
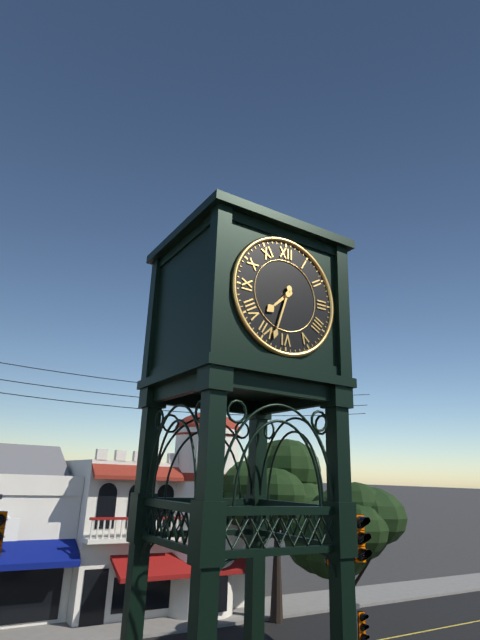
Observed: **7:33**
